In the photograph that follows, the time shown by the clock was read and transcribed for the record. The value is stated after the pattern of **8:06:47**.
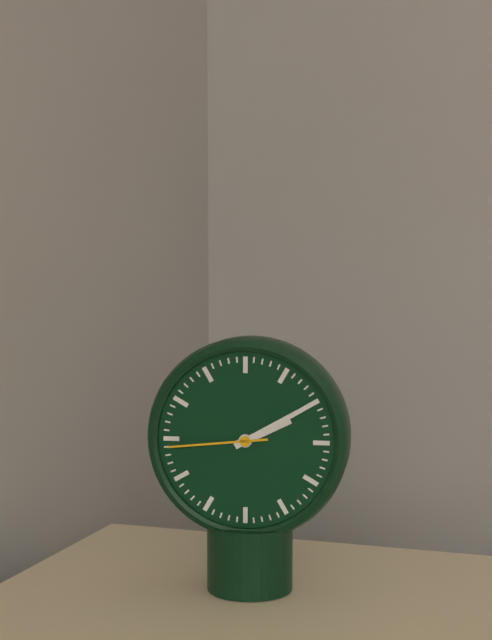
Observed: **2:10:44**
